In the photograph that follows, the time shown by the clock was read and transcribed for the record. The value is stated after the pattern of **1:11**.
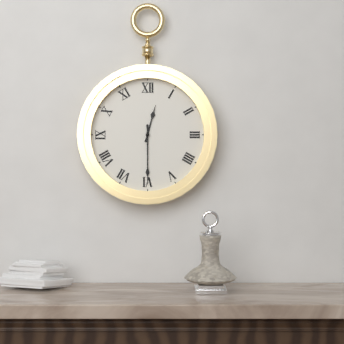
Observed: **12:30**
